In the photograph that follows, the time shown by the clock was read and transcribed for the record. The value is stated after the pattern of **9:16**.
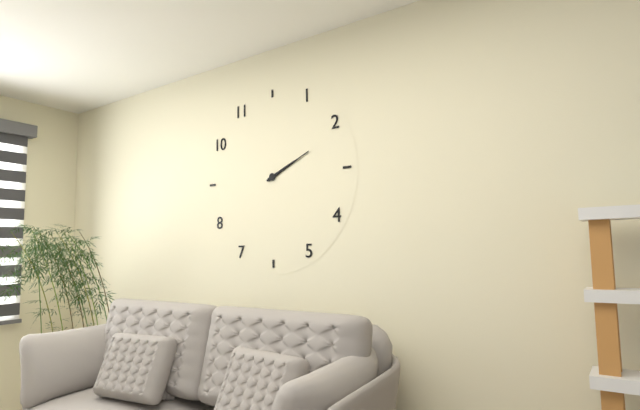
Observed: **2:11**
